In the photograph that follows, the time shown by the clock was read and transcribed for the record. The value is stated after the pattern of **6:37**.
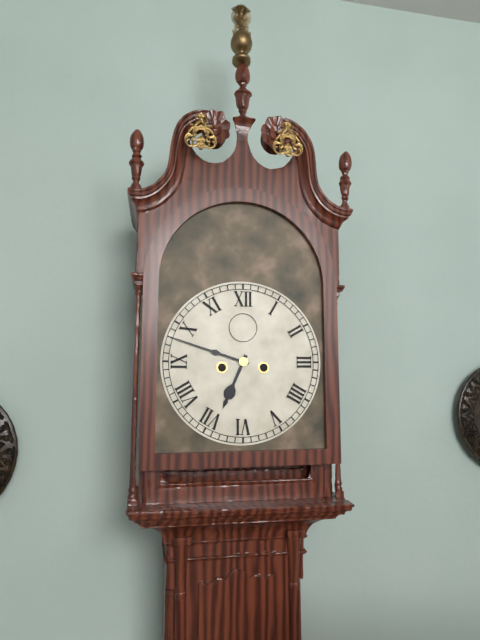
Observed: **6:48**
